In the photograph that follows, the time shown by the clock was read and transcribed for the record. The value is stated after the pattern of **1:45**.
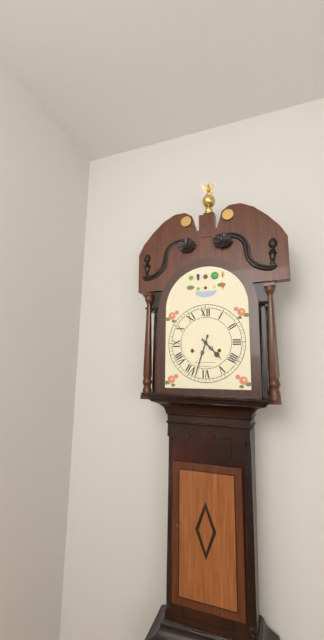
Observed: **4:33**
